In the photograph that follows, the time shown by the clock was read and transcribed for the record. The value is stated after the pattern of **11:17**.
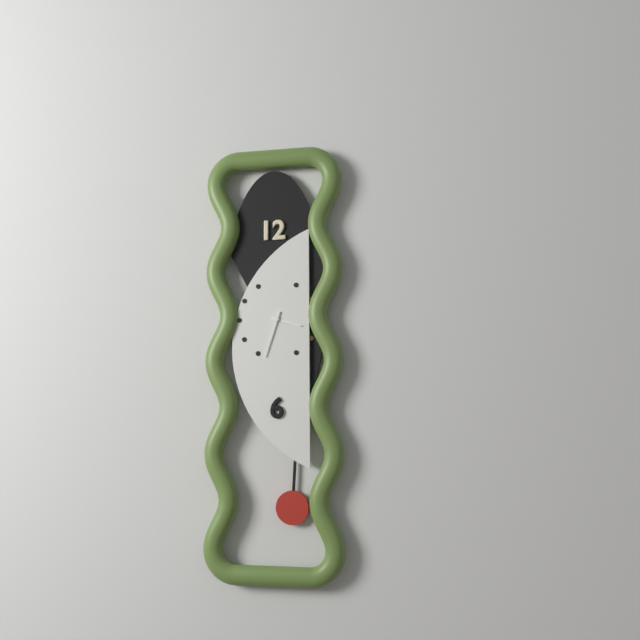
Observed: **3:33**
